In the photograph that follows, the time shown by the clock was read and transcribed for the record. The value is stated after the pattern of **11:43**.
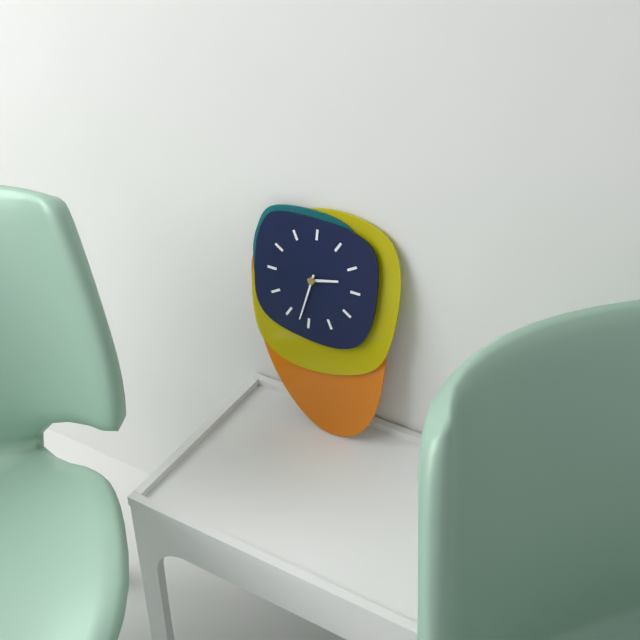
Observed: **2:32**
